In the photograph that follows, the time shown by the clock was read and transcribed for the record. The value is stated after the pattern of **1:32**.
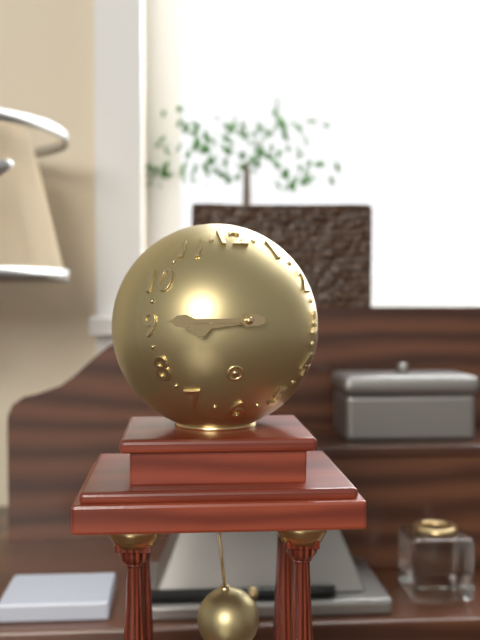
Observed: **8:45**
